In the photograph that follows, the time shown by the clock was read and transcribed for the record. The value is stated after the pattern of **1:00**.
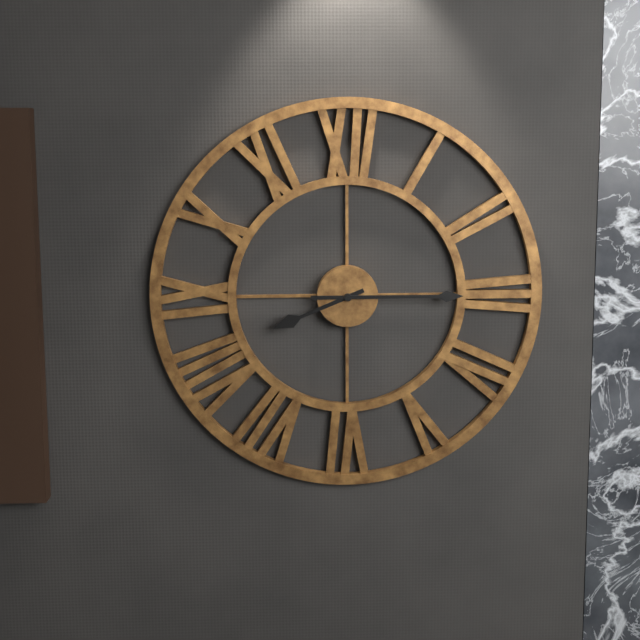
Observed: **8:15**
